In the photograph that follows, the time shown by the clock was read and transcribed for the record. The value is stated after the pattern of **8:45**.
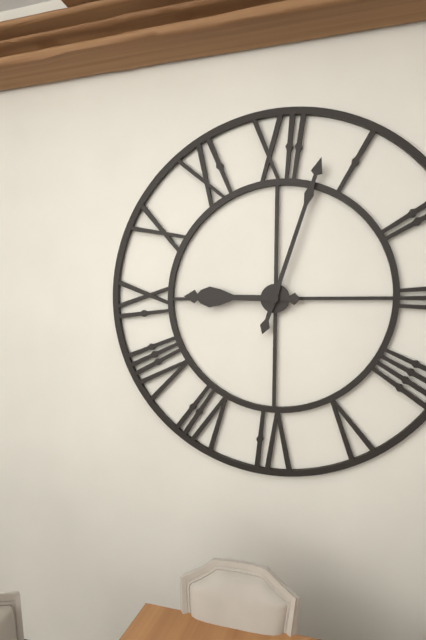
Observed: **9:03**
